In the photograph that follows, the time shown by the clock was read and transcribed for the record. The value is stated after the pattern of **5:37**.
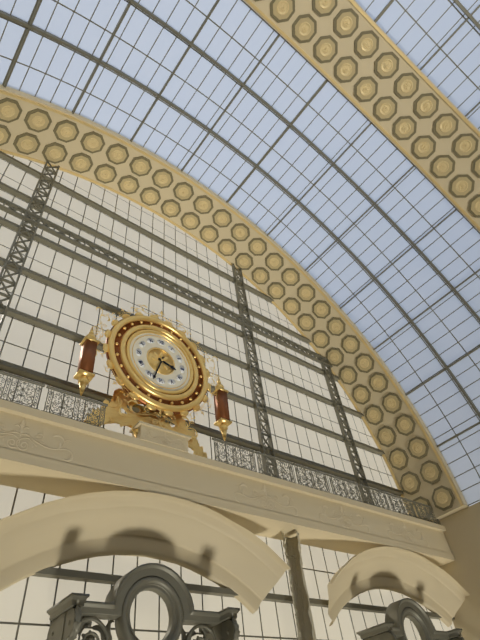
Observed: **3:33**
